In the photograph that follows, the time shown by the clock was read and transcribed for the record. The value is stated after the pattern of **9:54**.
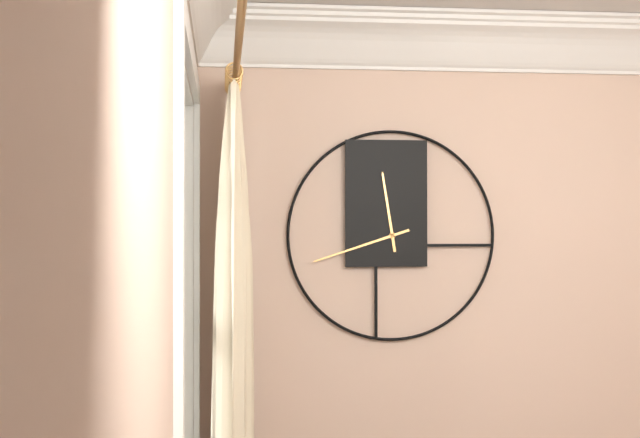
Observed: **11:42**
